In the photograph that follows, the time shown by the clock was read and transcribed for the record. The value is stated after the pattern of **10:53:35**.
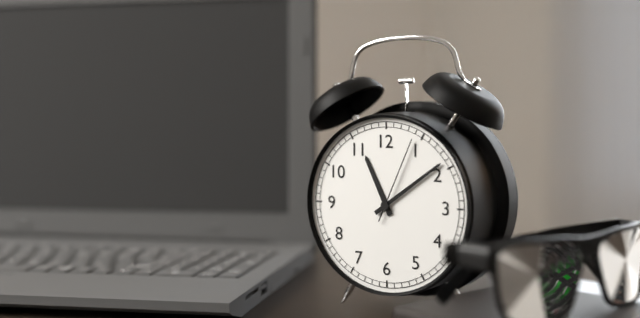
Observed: **11:09:04**
